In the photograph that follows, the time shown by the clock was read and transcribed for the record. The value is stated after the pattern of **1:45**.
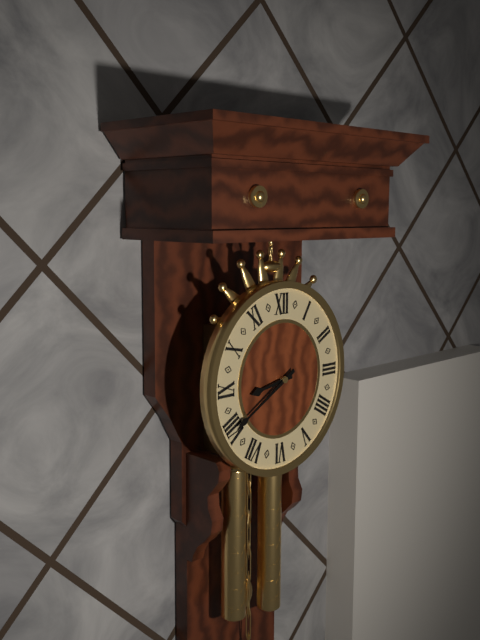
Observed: **8:40**
